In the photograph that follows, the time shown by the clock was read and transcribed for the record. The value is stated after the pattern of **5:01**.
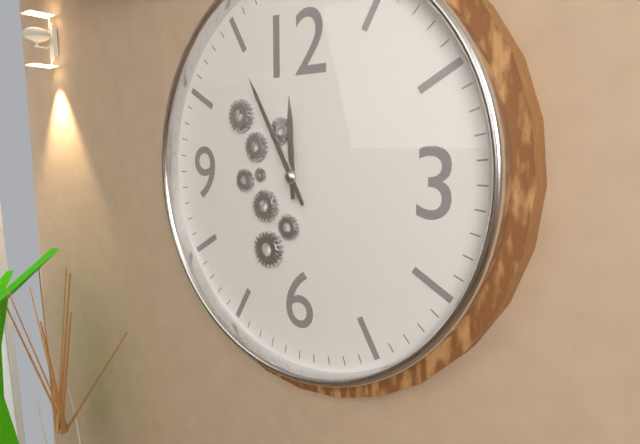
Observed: **11:55**
